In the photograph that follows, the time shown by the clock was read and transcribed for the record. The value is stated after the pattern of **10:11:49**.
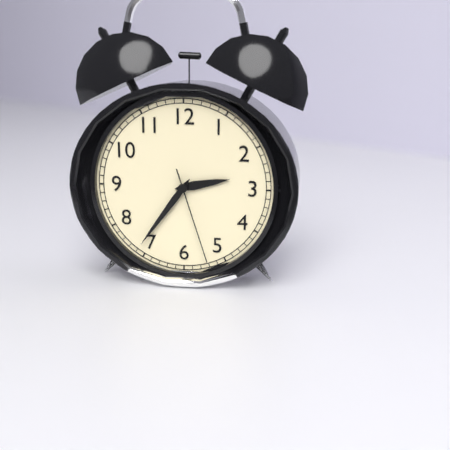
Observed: **2:36:27**
